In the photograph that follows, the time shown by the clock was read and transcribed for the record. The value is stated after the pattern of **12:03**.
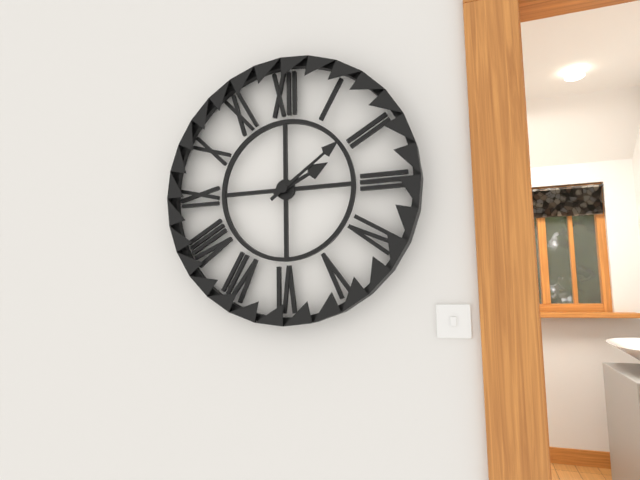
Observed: **2:09**
